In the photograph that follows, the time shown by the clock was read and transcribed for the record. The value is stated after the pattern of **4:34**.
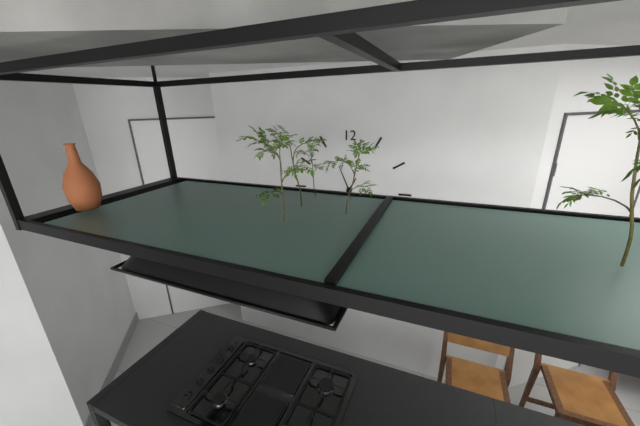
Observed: **12:56**
